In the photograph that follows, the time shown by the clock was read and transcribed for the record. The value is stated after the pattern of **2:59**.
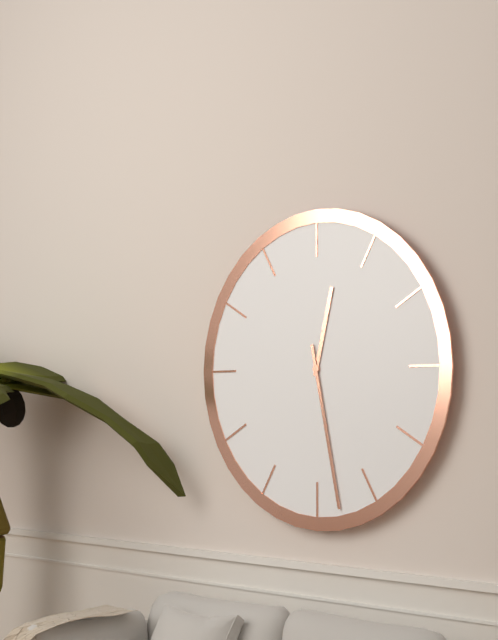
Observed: **12:28**
